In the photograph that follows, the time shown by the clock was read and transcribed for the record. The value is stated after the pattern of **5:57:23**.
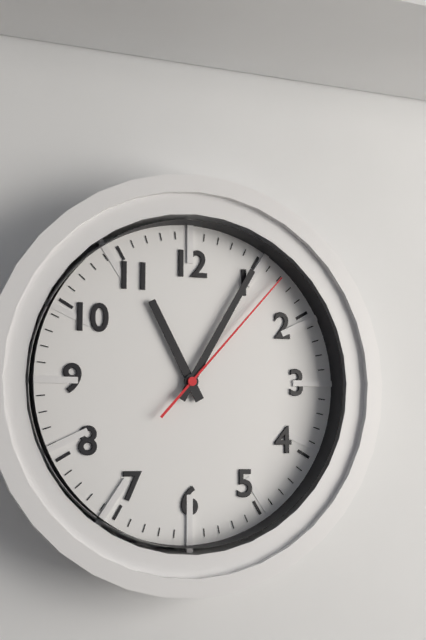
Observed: **11:05:07**
